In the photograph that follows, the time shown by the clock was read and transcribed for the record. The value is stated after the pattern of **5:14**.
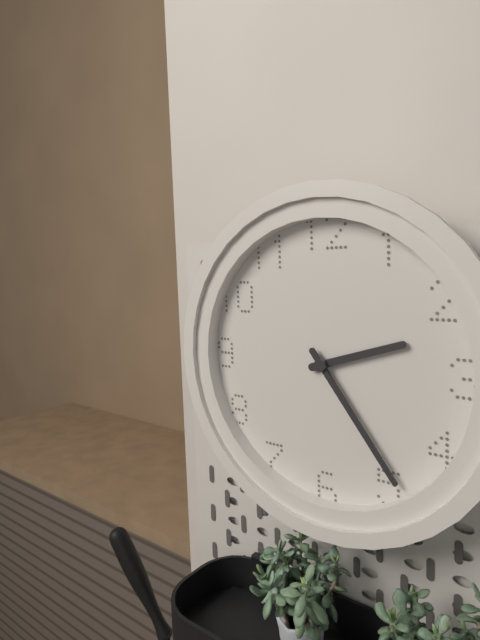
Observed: **2:24**
